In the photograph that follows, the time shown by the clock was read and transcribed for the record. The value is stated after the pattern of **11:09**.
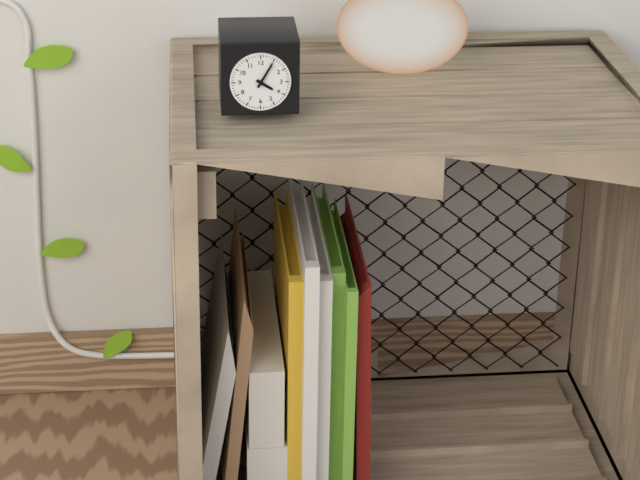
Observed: **4:05**
